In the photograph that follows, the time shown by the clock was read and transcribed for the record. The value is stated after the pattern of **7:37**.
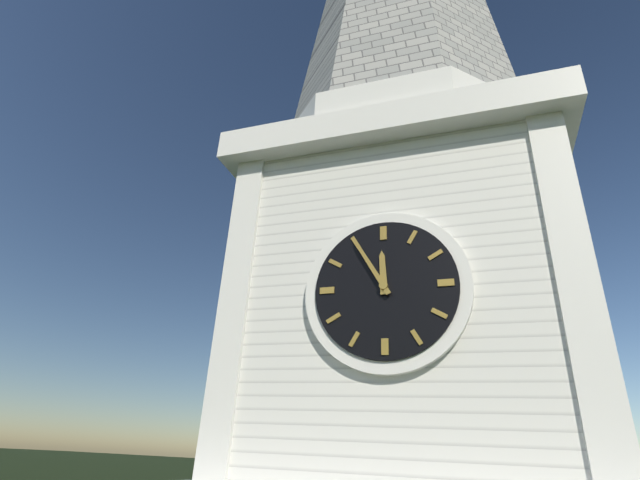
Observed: **11:55**
